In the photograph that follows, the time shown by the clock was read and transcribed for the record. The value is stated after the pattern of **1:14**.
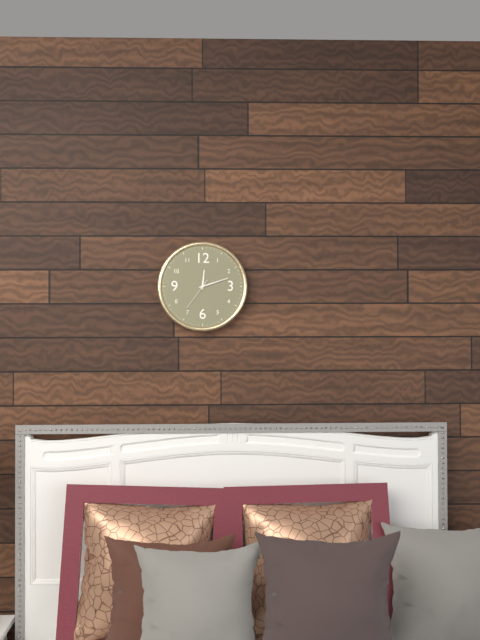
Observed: **12:12**
